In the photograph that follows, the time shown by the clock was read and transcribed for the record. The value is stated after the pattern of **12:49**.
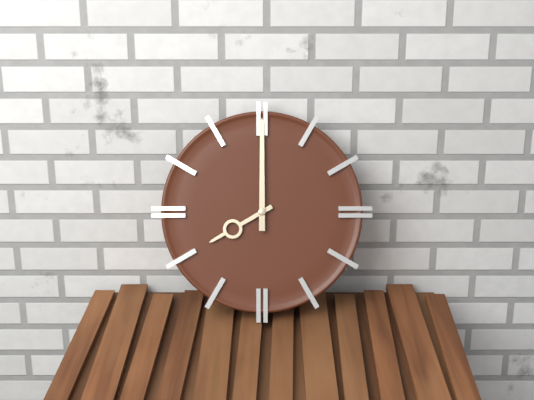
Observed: **8:00**
